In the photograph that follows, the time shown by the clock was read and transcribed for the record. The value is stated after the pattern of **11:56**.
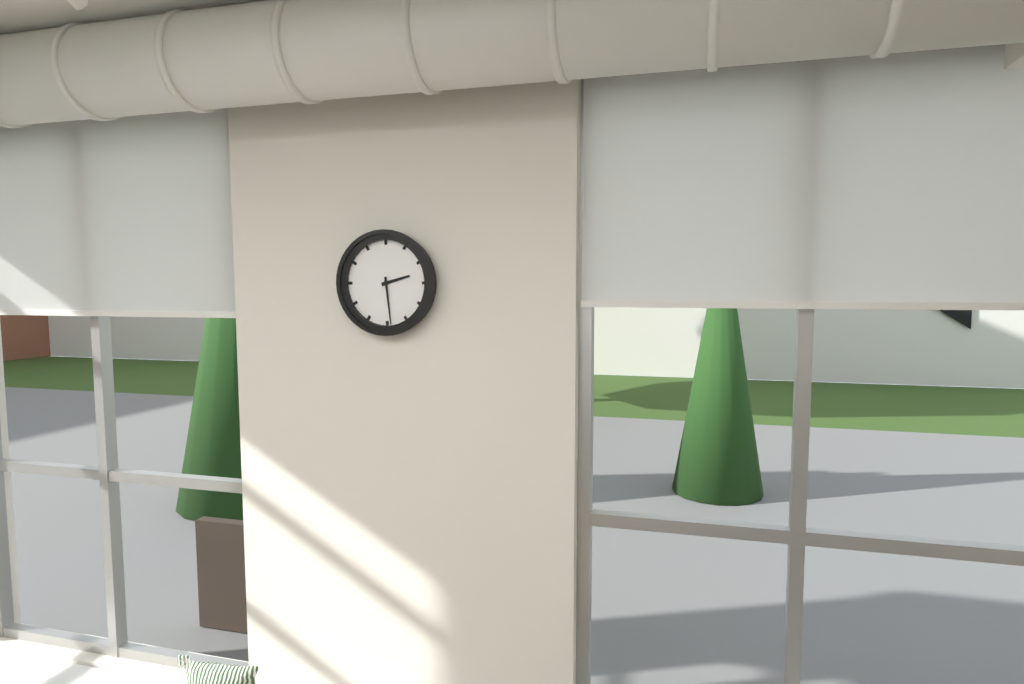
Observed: **2:29**
